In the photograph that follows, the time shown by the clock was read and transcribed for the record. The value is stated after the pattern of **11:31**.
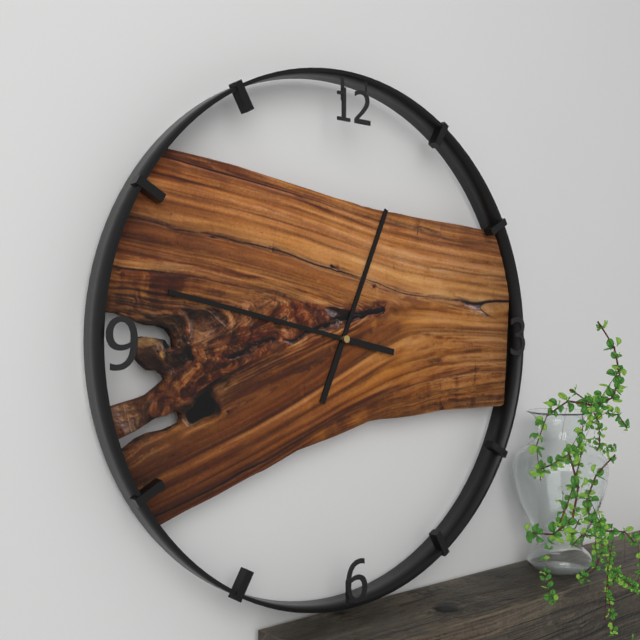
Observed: **12:47**
